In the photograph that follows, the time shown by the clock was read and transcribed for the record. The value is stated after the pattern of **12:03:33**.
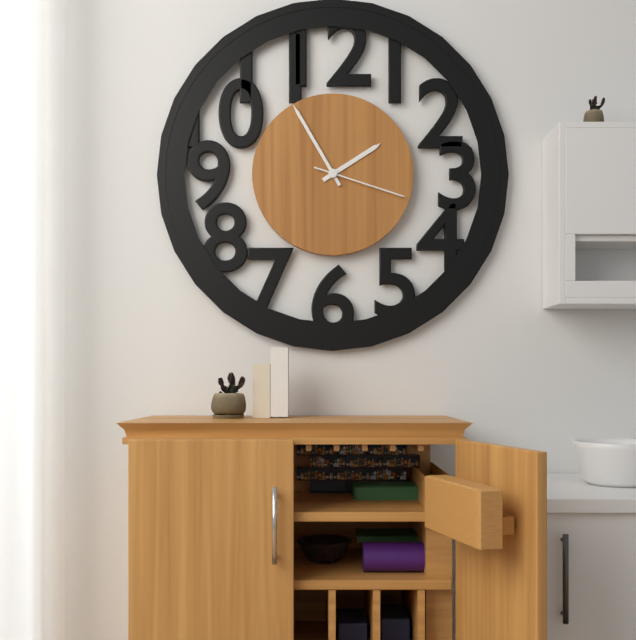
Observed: **1:55:18**
